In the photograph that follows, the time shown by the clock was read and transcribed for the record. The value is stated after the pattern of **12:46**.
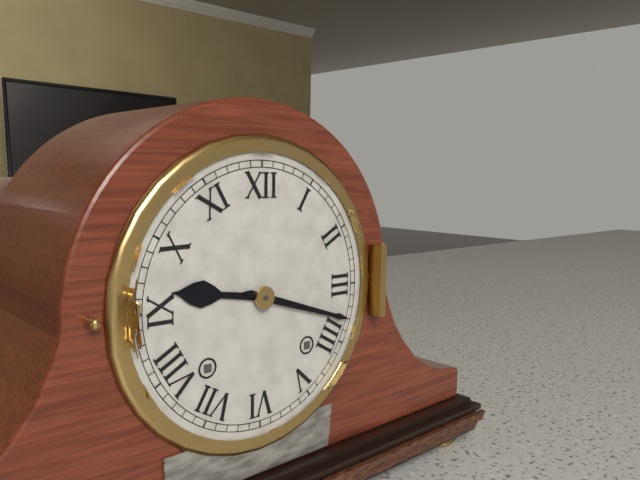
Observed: **9:18**
